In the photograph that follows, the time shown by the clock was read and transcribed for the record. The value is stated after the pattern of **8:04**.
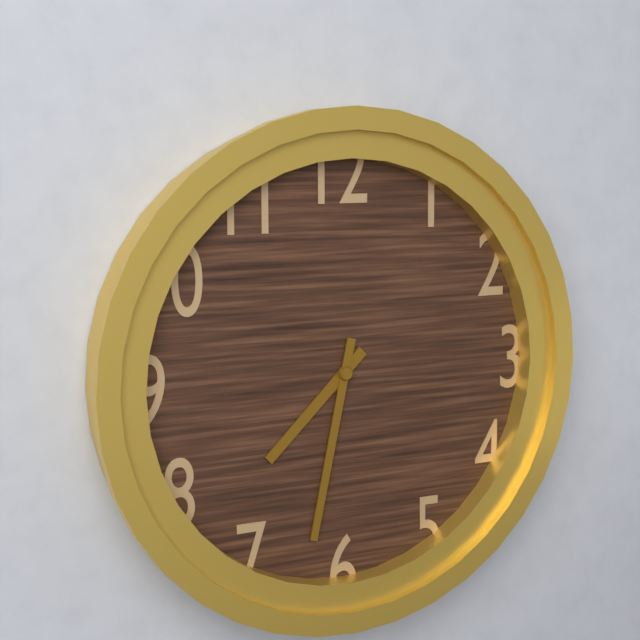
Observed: **7:32**
